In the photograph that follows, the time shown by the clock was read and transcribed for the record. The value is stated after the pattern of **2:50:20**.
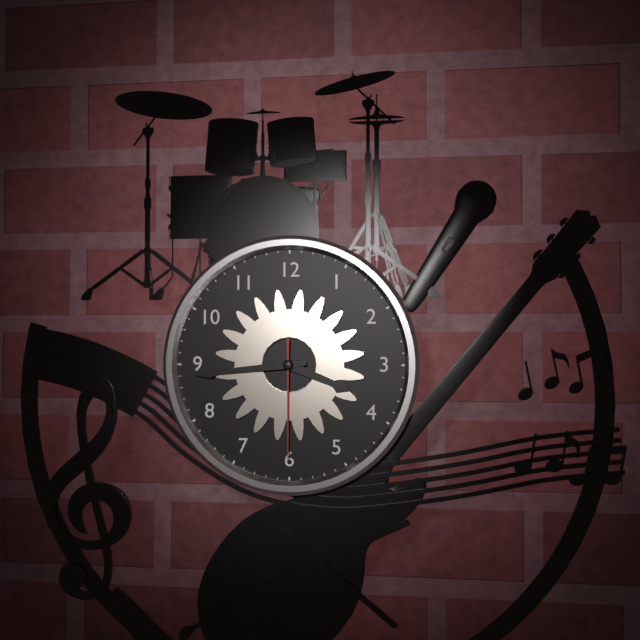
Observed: **3:44:30**
